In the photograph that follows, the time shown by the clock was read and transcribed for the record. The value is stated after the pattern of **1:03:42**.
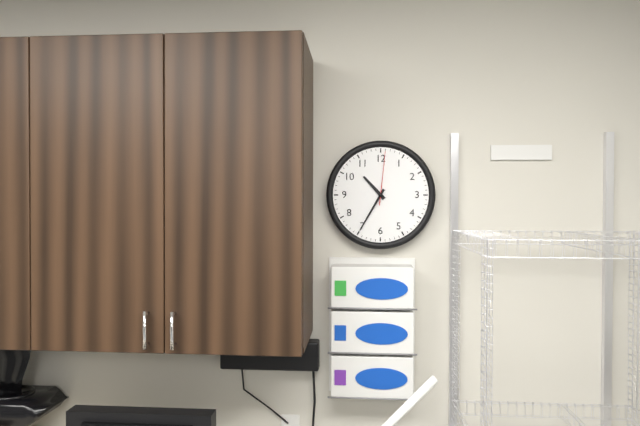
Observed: **10:35:01**
